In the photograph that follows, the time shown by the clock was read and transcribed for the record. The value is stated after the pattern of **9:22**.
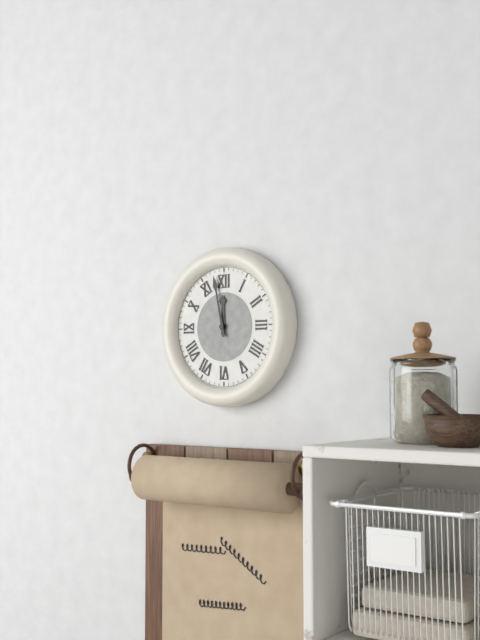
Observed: **11:58**
